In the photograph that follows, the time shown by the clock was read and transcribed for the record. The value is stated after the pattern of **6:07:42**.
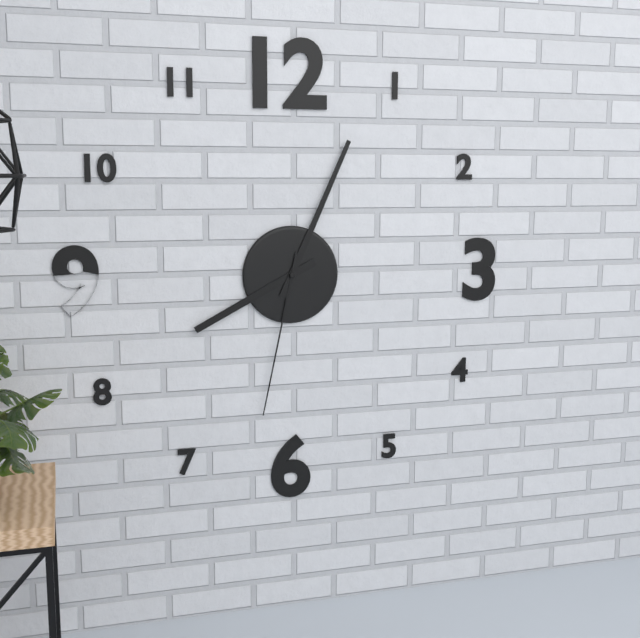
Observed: **8:04:32**
